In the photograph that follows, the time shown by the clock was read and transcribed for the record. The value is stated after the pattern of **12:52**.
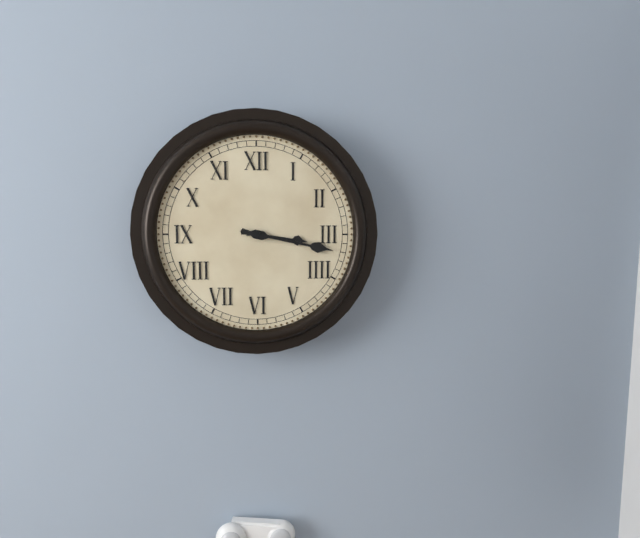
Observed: **3:17**
